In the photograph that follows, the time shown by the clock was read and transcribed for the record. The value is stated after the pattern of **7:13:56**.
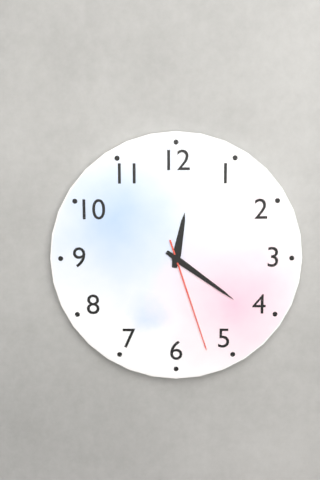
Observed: **12:21:27**
